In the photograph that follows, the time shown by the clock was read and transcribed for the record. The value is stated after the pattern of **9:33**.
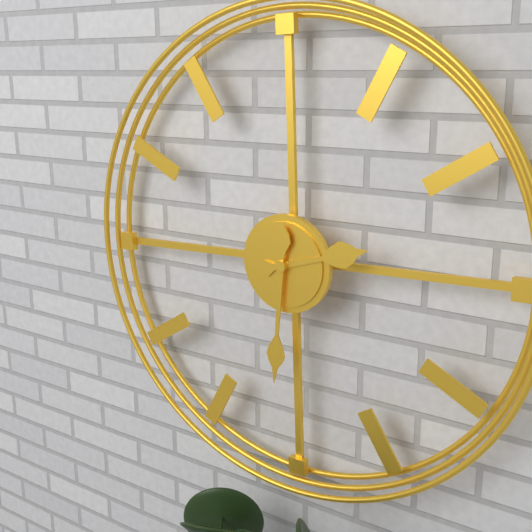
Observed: **2:31**
